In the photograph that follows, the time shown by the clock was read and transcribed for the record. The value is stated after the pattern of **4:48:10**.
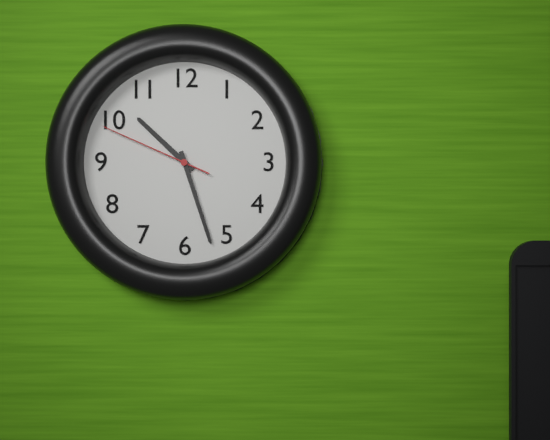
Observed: **10:27:49**
